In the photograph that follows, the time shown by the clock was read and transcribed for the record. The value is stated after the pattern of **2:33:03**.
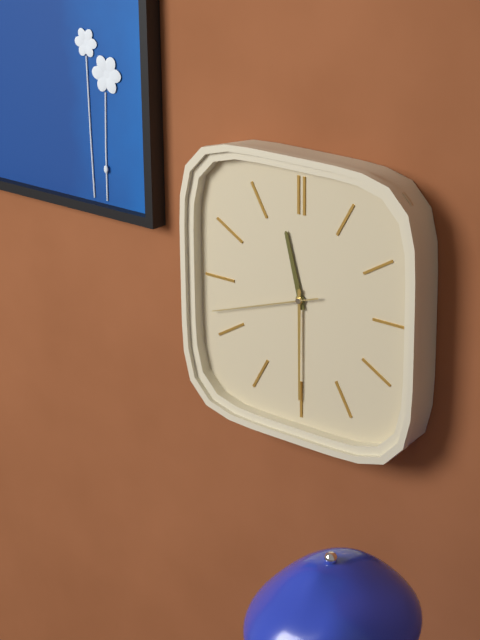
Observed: **11:30:42**
